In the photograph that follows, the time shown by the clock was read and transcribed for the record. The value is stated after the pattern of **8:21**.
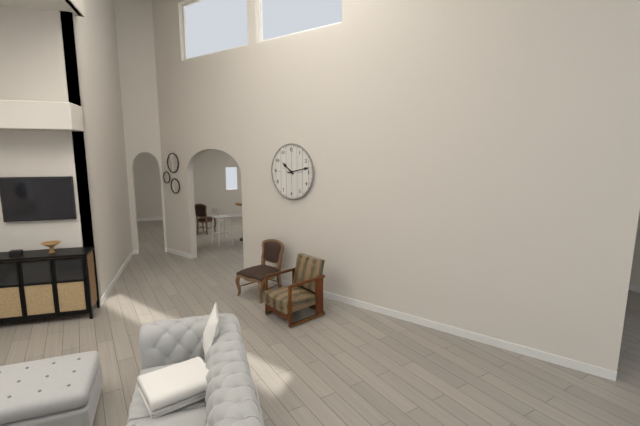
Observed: **10:13**
